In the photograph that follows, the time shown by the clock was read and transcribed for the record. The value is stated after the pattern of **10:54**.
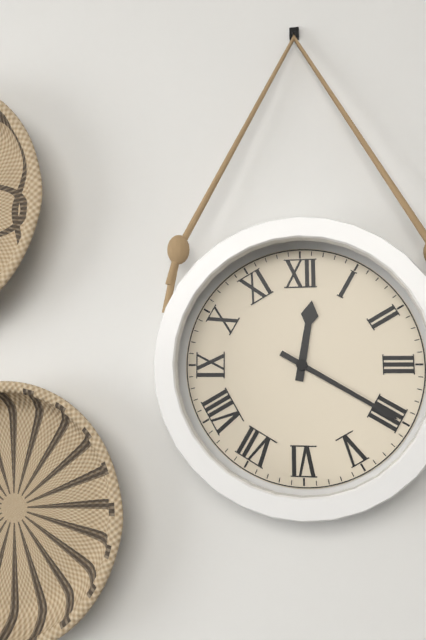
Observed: **12:20**
